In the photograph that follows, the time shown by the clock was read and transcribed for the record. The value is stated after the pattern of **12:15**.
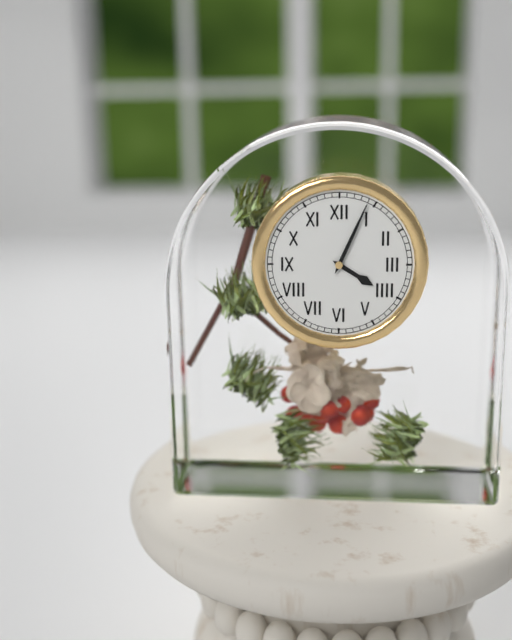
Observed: **4:04**
